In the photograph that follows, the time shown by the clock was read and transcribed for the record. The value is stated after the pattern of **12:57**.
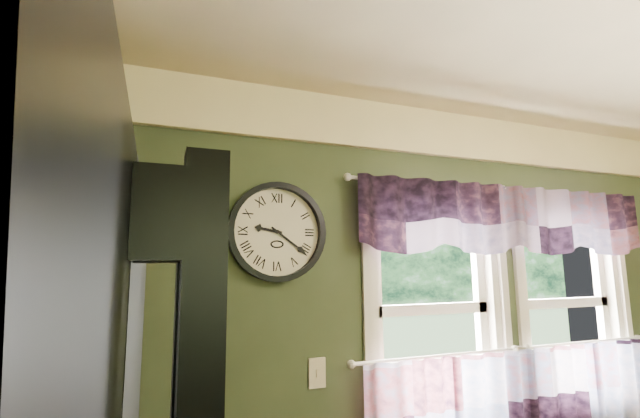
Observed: **9:21**
